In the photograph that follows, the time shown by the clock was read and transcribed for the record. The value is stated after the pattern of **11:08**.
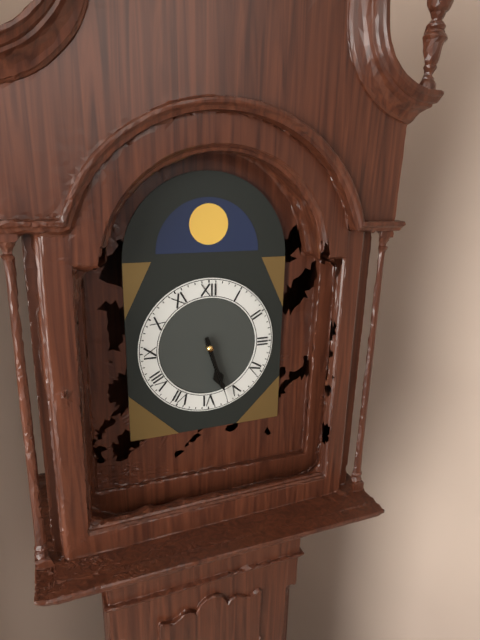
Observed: **5:27**
